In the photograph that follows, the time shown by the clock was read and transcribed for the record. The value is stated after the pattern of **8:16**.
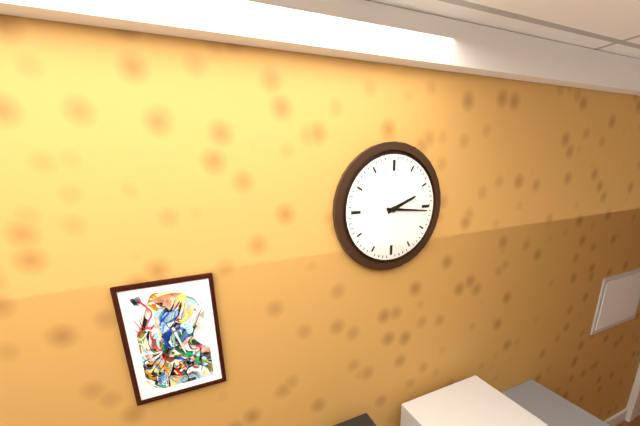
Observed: **2:16**
